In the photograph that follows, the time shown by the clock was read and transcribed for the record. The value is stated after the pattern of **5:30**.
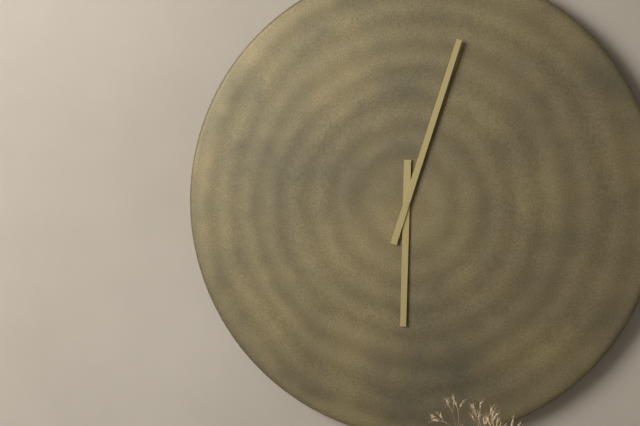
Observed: **6:03**
